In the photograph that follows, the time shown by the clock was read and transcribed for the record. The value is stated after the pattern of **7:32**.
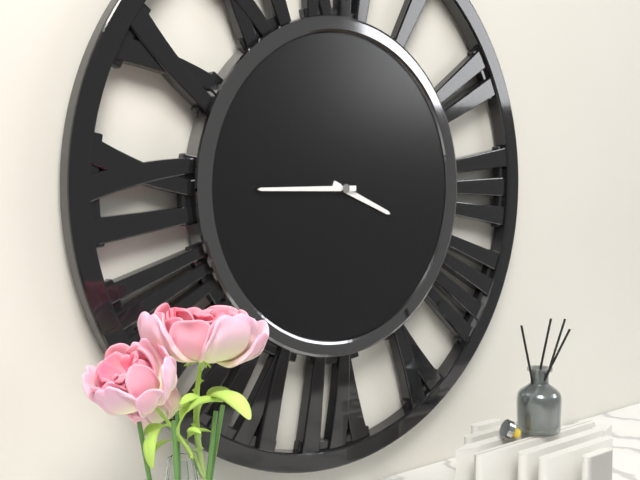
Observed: **3:45**
